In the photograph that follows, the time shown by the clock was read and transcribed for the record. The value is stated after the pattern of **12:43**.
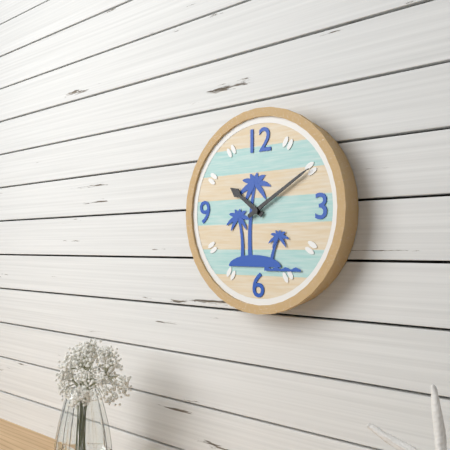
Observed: **10:10**
